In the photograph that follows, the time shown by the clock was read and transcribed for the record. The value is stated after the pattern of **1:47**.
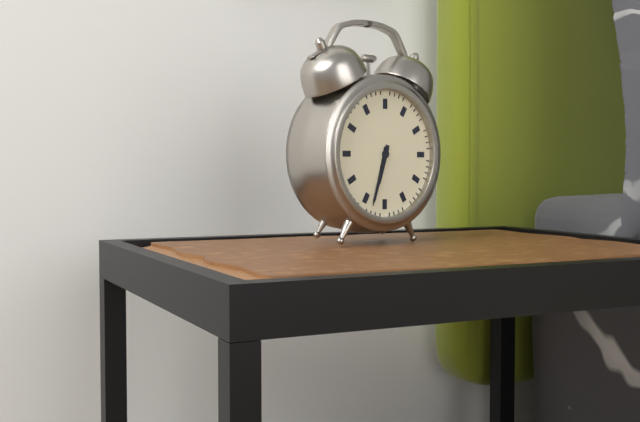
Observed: **6:33**
